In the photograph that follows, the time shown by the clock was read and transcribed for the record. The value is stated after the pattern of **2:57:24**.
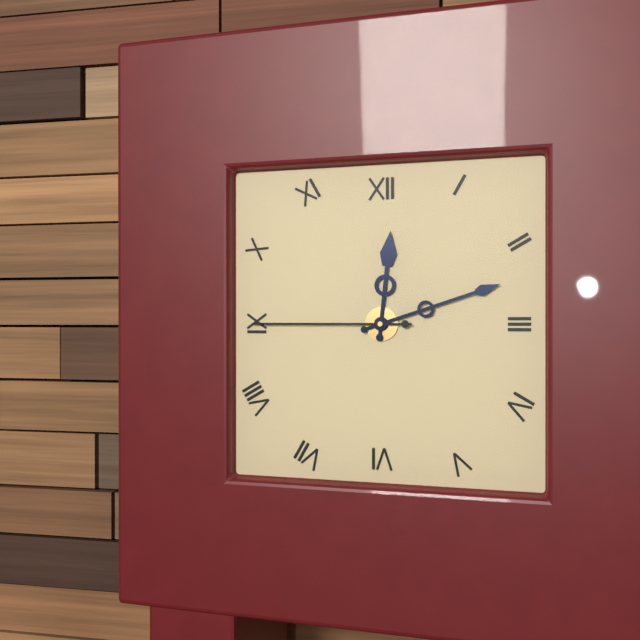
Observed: **12:12:45**
